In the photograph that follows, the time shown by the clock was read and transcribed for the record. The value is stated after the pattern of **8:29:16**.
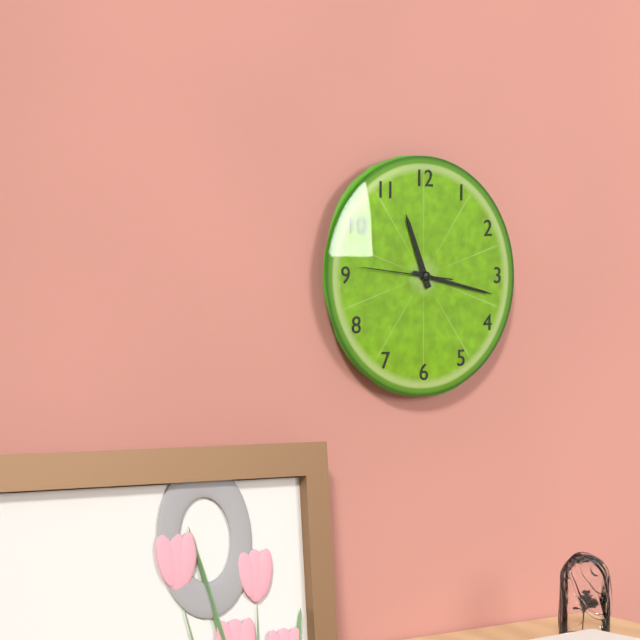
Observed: **11:17:46**
